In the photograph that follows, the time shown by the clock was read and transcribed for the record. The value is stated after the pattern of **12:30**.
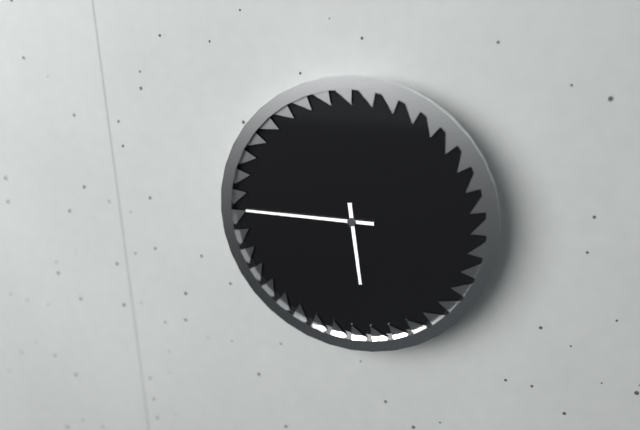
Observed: **5:45**
